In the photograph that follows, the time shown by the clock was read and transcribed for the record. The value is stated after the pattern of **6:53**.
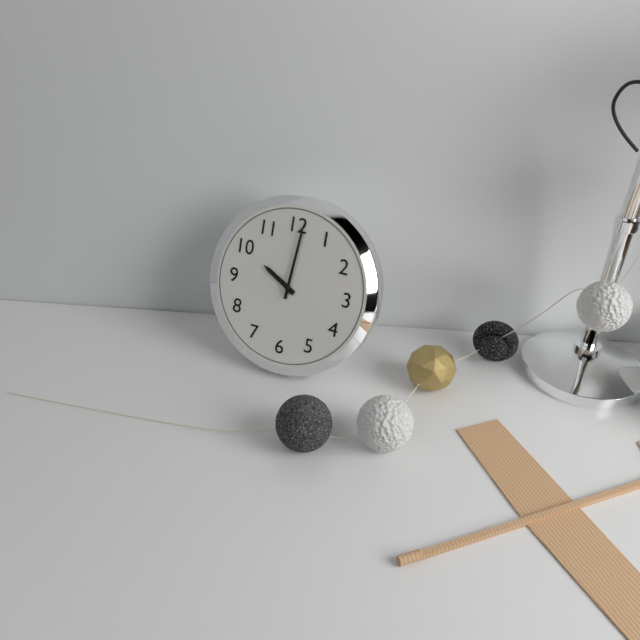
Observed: **10:01**
